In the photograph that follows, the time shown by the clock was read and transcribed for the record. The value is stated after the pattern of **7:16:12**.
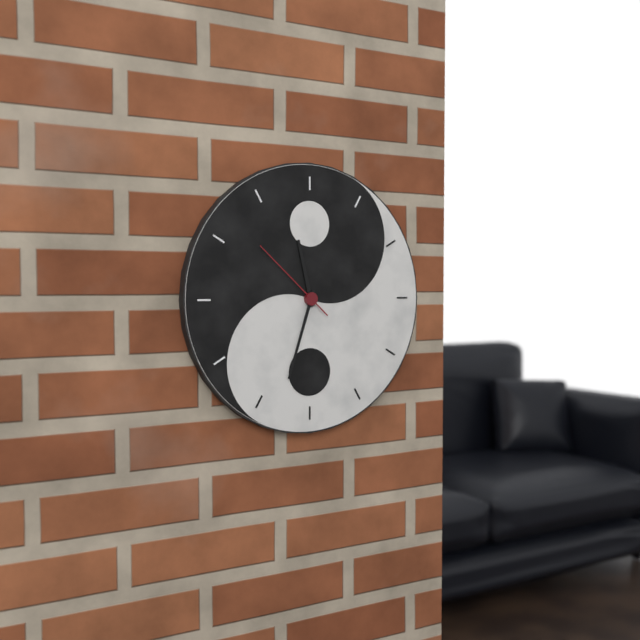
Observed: **11:33:52**
